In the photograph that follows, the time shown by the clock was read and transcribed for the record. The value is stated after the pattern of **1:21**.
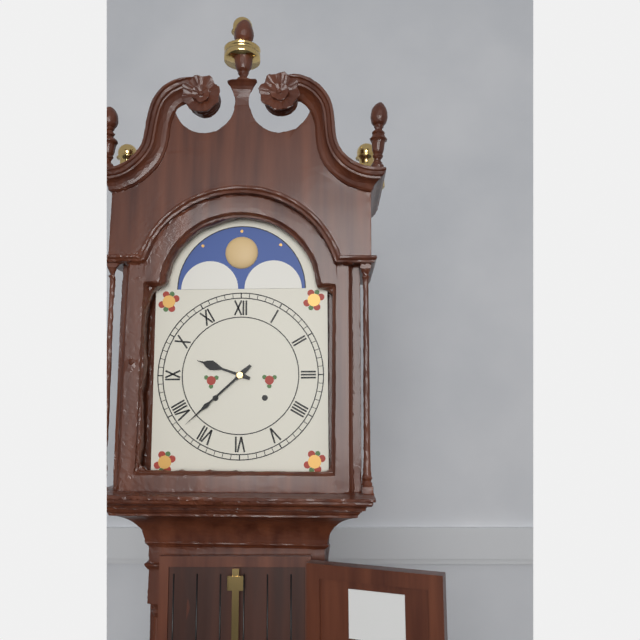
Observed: **9:38**
